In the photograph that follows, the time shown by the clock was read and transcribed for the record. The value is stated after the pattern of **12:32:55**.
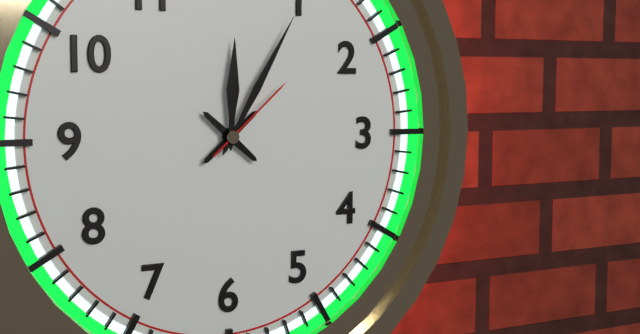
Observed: **12:05:08**
